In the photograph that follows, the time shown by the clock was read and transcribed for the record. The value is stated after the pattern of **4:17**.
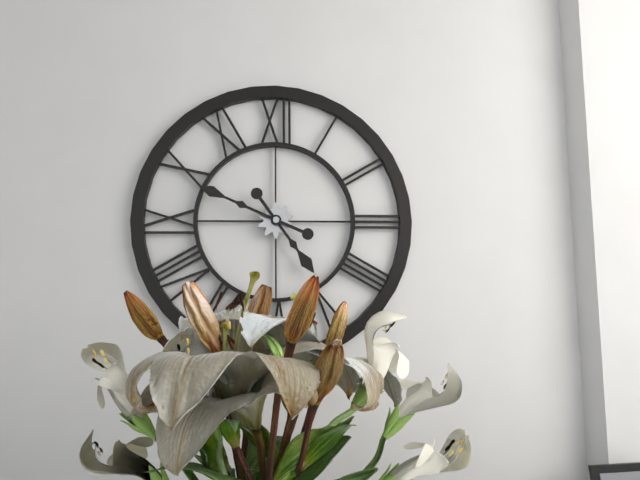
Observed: **4:49**
